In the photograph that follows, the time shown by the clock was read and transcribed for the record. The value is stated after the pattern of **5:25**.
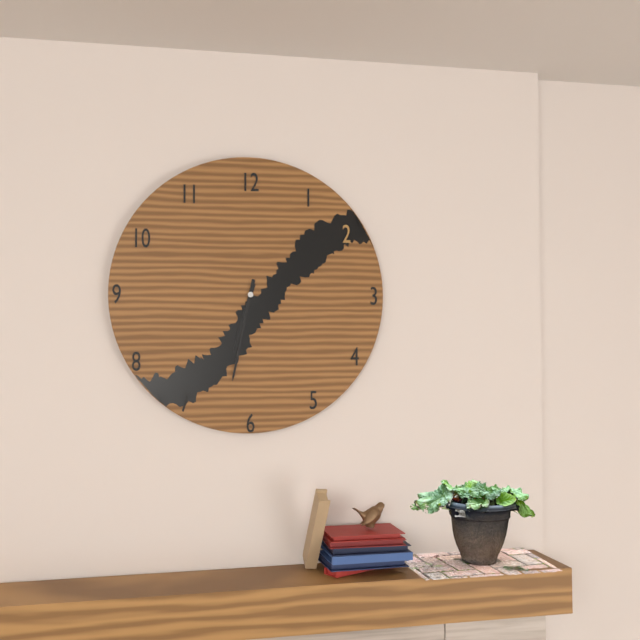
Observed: **6:32**
